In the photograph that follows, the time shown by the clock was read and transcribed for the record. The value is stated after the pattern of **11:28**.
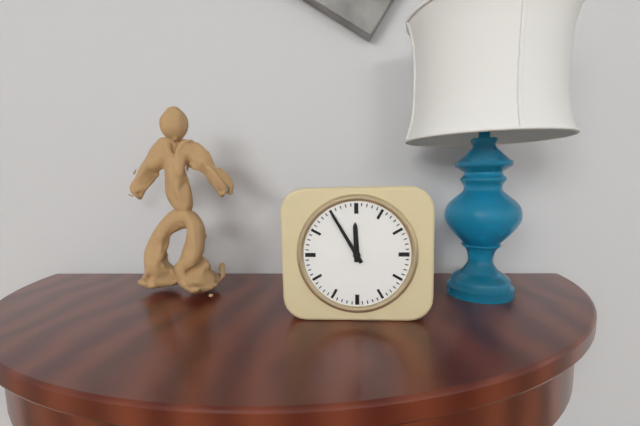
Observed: **11:55**
